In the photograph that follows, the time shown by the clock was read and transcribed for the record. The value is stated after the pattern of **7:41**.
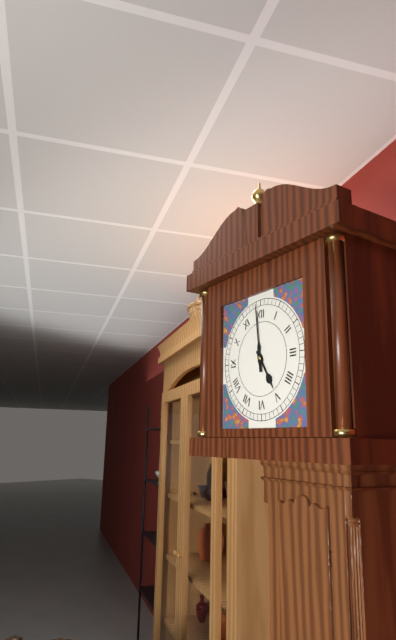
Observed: **4:59**
